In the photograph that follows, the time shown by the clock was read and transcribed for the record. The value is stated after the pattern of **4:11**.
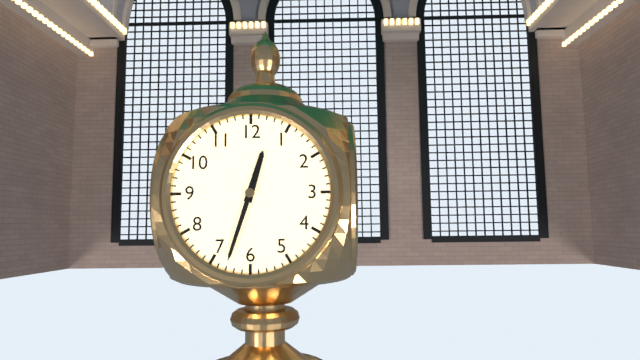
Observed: **12:33**
